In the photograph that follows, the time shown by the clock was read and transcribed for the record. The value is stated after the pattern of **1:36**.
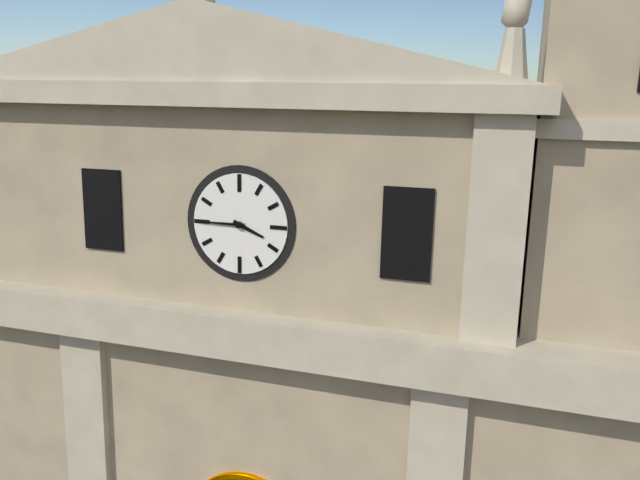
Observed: **3:45**
